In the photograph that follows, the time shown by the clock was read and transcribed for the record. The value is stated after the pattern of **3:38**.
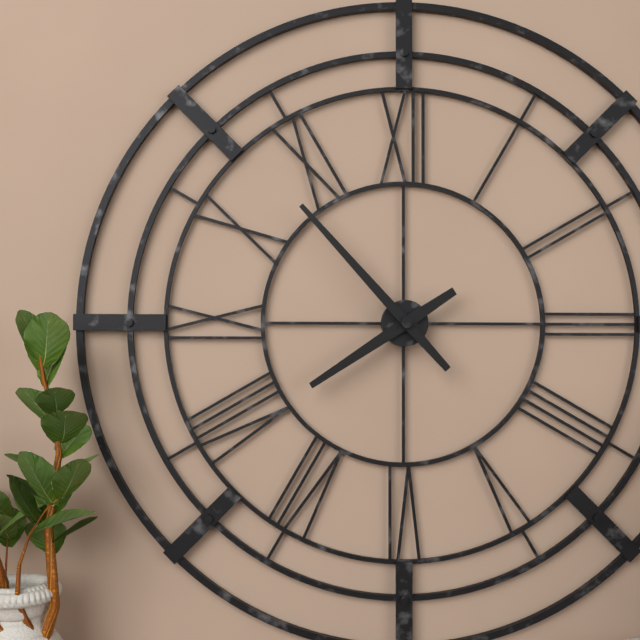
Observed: **7:53**
